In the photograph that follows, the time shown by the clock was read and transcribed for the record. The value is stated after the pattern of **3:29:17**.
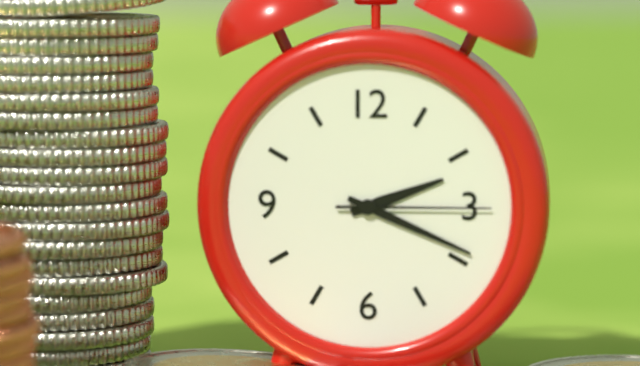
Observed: **2:19:15**
